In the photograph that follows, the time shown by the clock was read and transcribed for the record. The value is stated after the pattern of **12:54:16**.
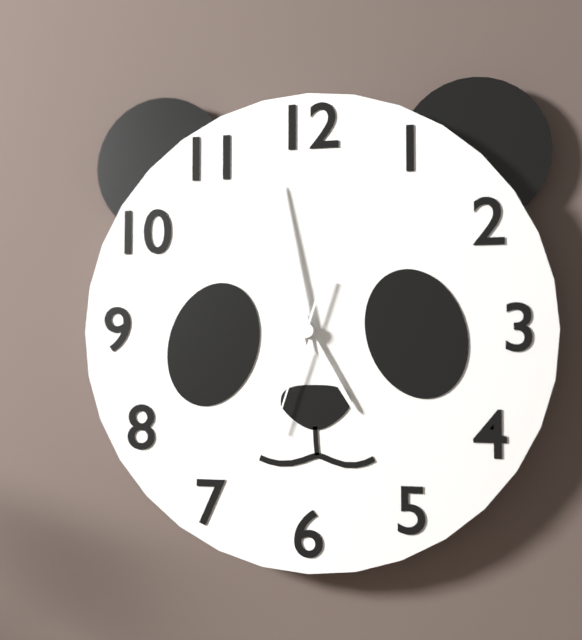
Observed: **4:58:33**
